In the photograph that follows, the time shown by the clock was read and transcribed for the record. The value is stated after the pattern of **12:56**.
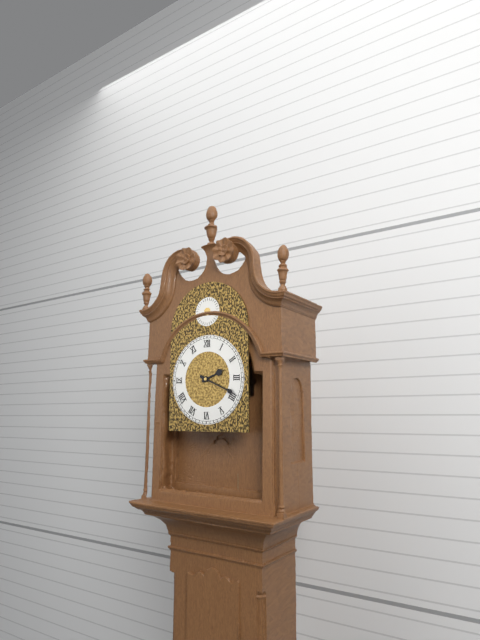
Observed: **2:19**
